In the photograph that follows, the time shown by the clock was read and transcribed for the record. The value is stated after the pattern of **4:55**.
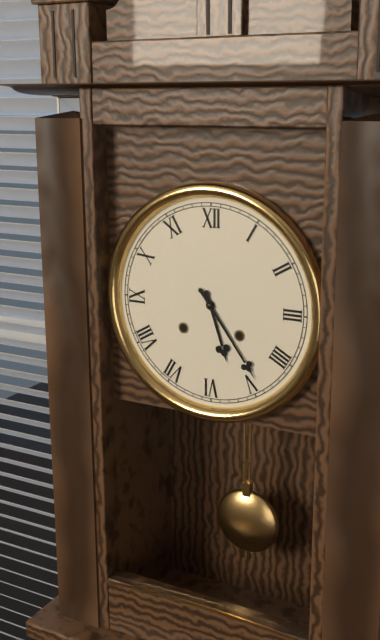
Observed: **5:24**
